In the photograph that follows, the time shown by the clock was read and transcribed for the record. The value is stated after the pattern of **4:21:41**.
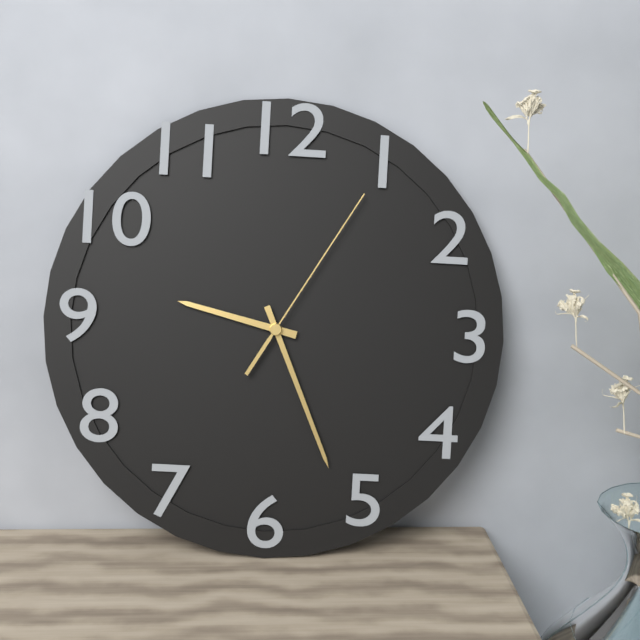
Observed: **9:26:05**
